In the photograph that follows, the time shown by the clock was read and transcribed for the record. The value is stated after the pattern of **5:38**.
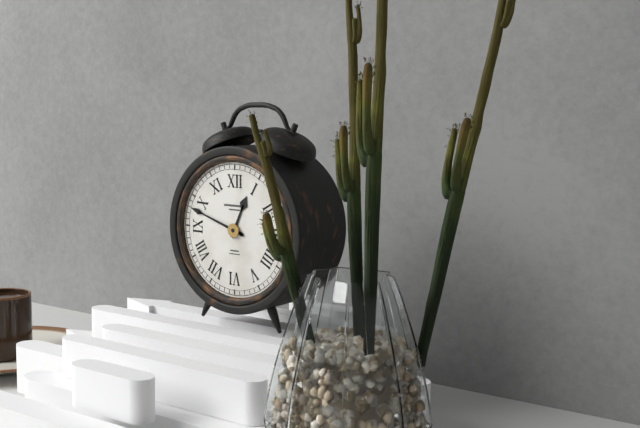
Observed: **12:48**
